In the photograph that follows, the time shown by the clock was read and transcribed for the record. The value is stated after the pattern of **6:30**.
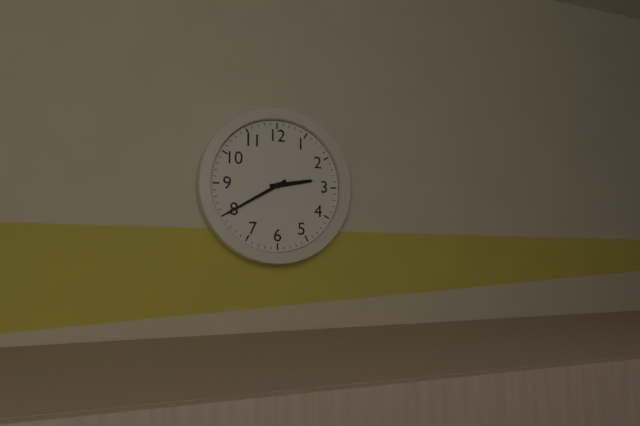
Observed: **2:40**
